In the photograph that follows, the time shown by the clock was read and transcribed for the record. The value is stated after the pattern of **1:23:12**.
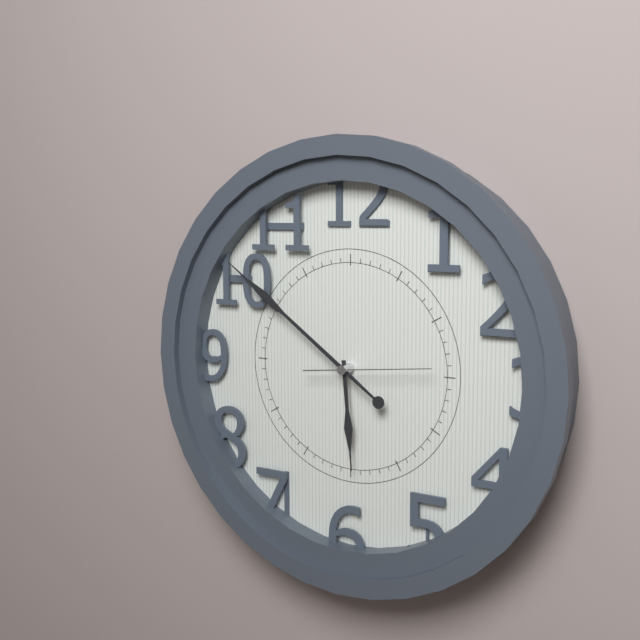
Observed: **5:51:14**
